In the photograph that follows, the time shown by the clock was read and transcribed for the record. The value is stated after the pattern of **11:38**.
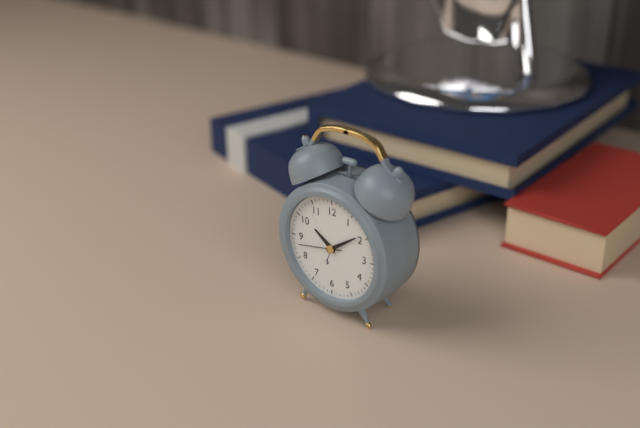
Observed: **10:09**
